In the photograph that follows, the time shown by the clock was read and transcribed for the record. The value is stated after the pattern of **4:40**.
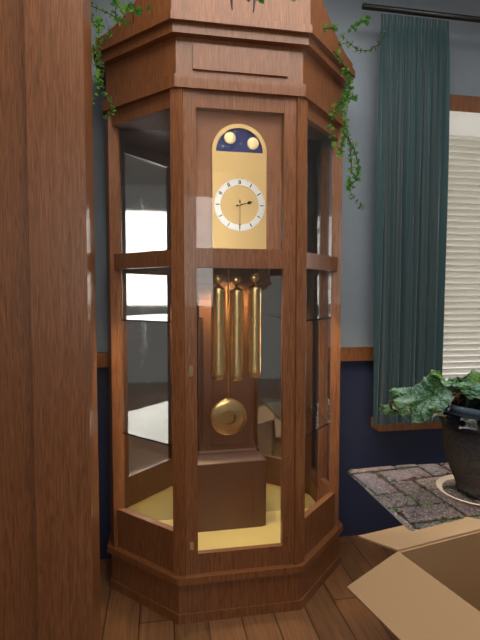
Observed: **2:30**
